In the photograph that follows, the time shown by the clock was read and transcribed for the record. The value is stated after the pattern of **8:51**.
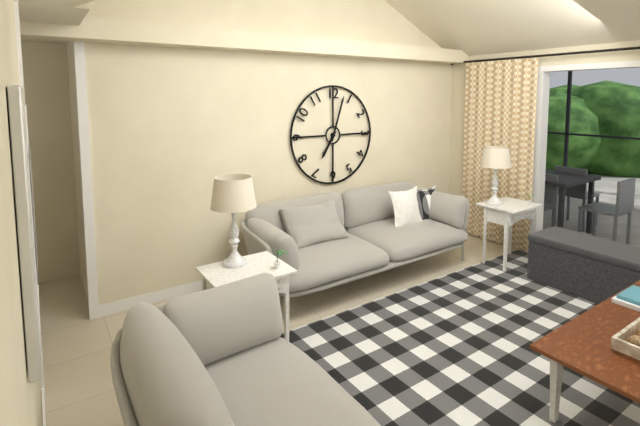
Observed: **7:03**
